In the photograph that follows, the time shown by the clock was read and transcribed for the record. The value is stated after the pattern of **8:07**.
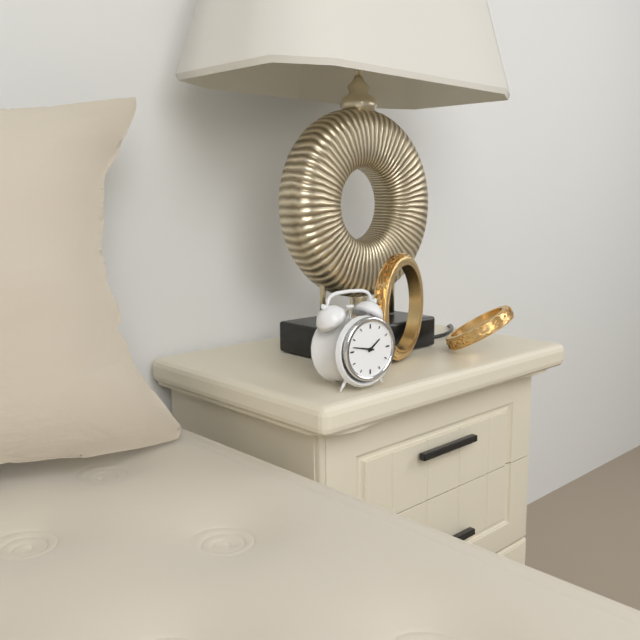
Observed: **1:47**
